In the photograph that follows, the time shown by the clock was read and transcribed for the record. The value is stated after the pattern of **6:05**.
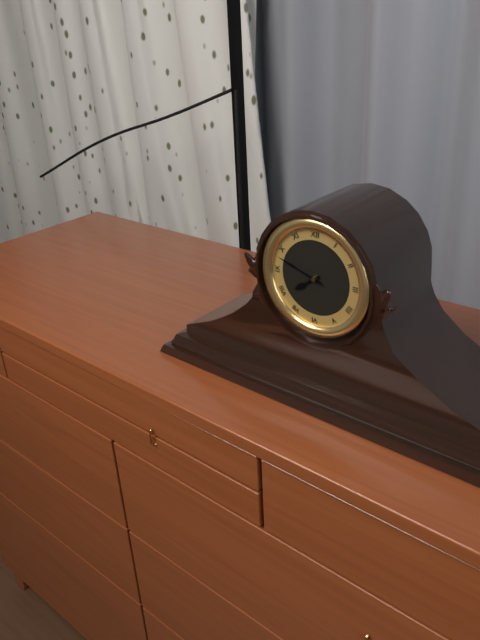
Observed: **7:48**
